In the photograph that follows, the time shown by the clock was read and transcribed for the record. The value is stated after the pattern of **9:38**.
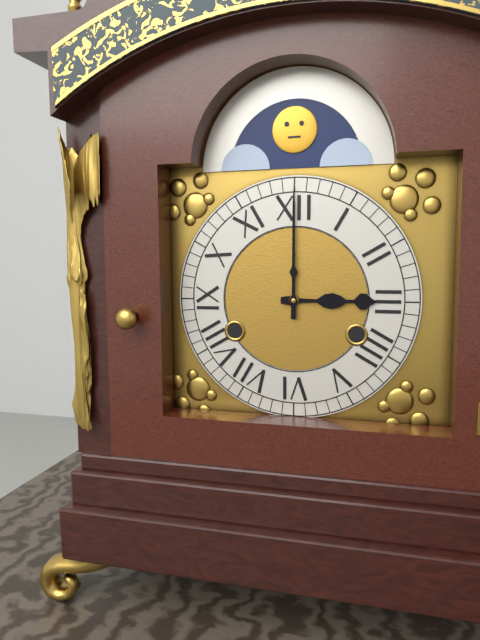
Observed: **3:00**
